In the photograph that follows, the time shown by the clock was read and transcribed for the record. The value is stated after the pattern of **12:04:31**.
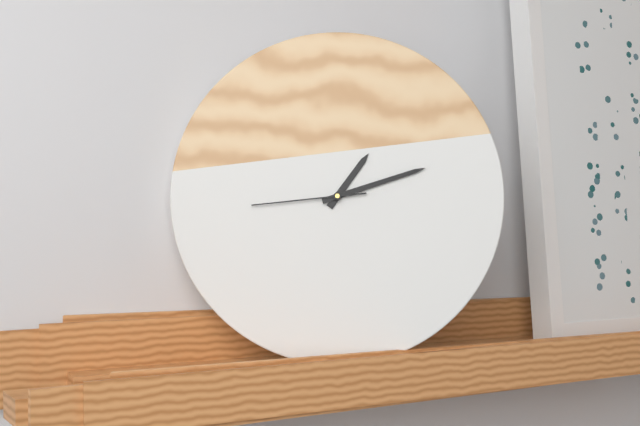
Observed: **1:12:44**
